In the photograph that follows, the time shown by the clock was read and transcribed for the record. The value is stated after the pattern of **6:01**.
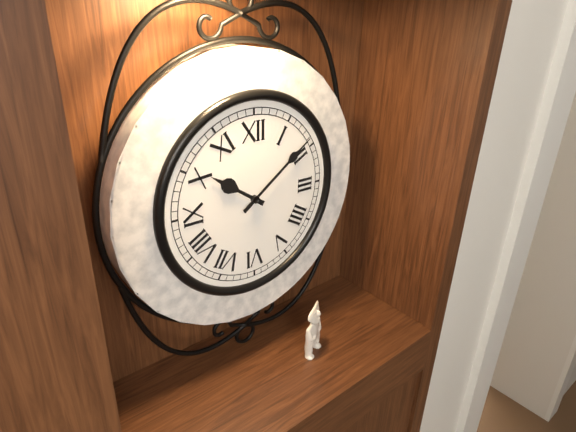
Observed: **10:09**
